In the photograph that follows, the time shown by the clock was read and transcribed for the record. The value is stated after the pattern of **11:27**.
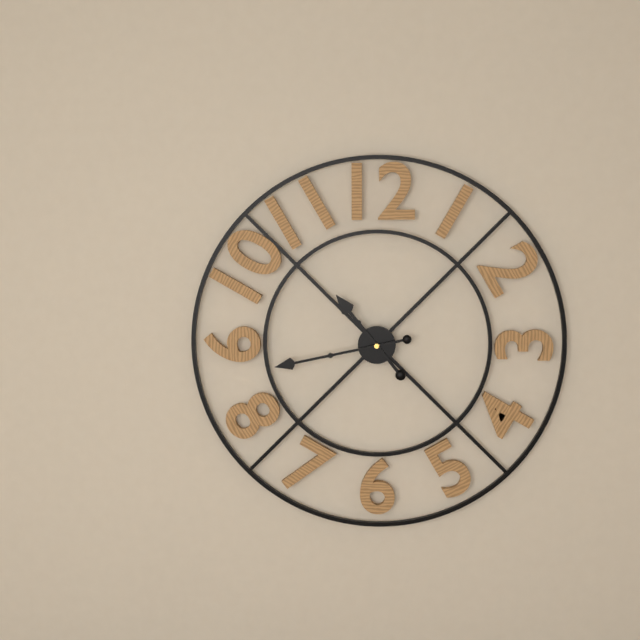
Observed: **10:43**
